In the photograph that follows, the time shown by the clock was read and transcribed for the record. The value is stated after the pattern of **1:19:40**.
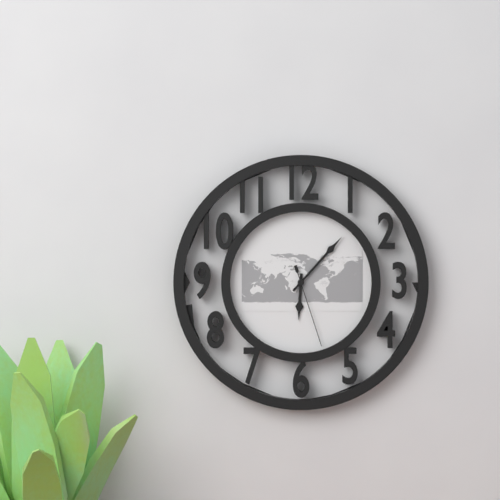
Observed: **6:07:27**
